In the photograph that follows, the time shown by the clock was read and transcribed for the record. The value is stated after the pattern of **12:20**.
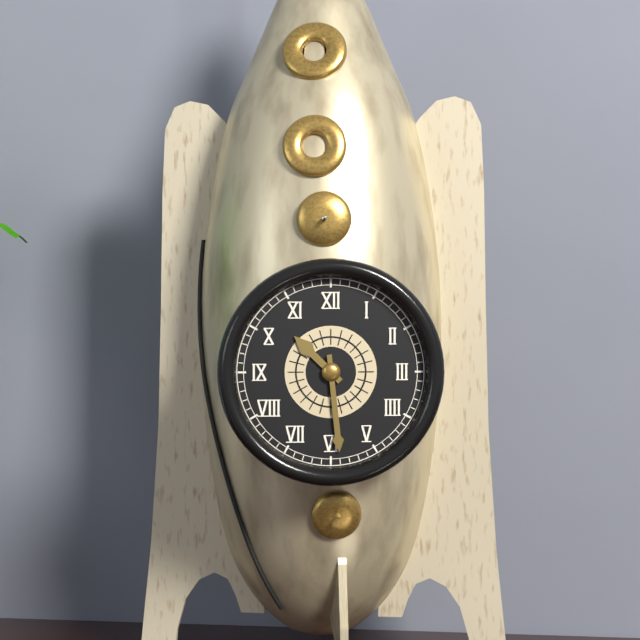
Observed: **10:29**
